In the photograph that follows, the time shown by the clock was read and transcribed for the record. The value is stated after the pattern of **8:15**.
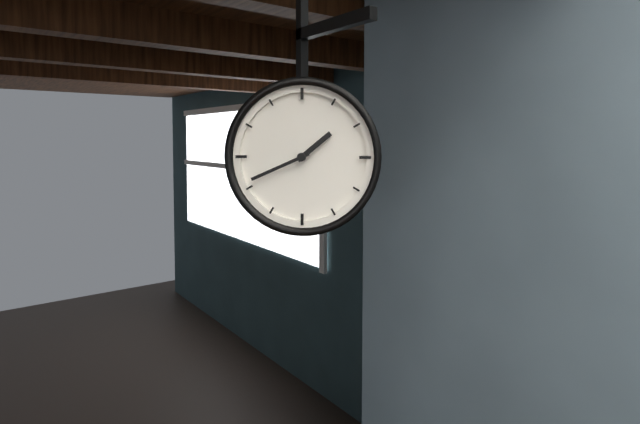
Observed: **1:41**
